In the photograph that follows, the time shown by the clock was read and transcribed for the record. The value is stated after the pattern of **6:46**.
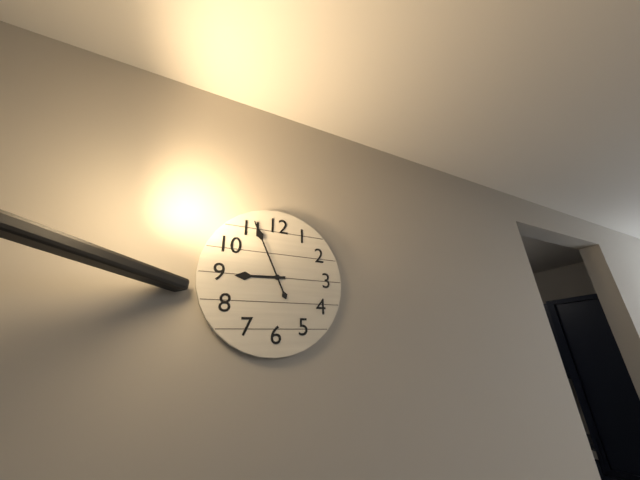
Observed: **8:56**
